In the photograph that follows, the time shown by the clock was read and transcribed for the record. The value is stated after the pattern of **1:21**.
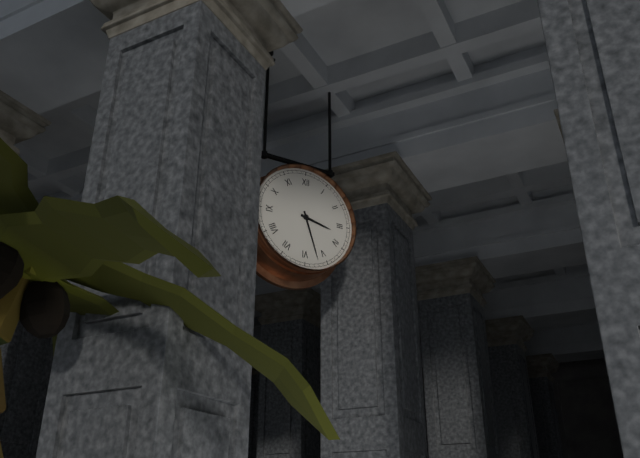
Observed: **3:27**
